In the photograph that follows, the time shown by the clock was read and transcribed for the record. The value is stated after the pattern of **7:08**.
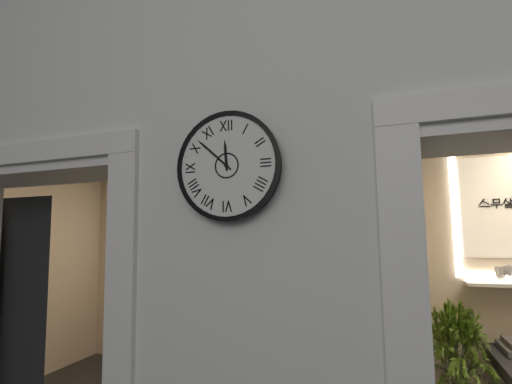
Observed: **11:52**
